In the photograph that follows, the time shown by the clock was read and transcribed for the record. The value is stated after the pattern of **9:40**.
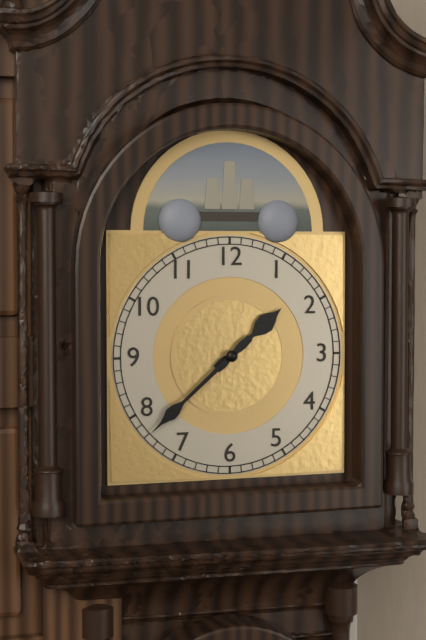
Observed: **1:38**
